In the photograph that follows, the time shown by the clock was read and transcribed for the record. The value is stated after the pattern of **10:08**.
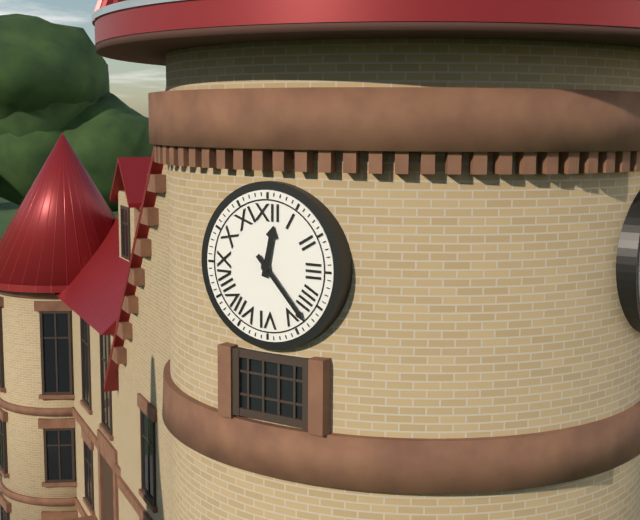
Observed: **12:23**
